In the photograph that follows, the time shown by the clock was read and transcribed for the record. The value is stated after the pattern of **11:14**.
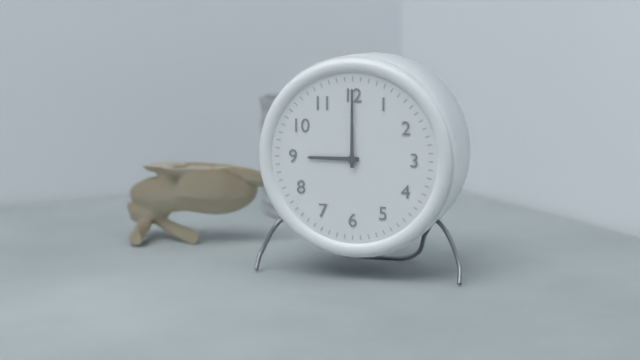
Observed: **9:00**
